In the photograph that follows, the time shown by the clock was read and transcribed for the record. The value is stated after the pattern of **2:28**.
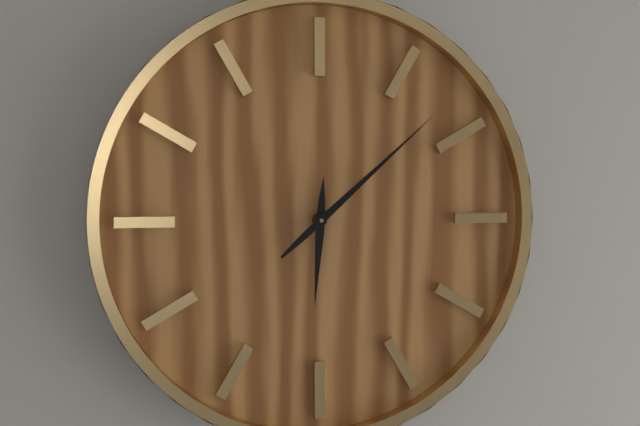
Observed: **6:08**
